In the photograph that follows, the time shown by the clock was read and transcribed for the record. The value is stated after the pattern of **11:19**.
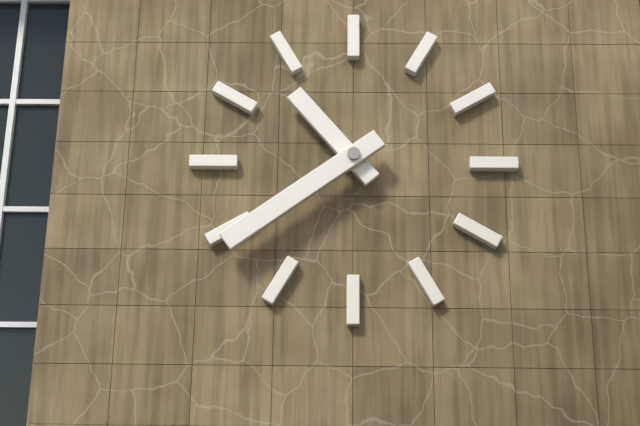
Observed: **10:39**
